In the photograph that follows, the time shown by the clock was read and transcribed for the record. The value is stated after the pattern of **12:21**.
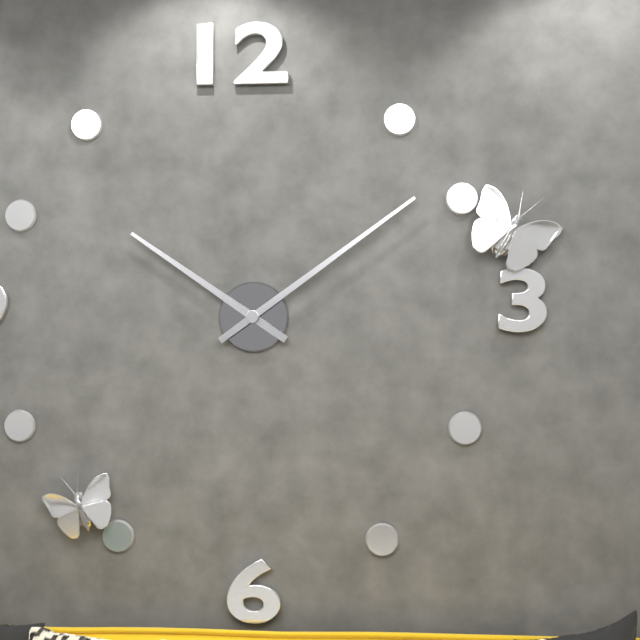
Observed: **10:09**
